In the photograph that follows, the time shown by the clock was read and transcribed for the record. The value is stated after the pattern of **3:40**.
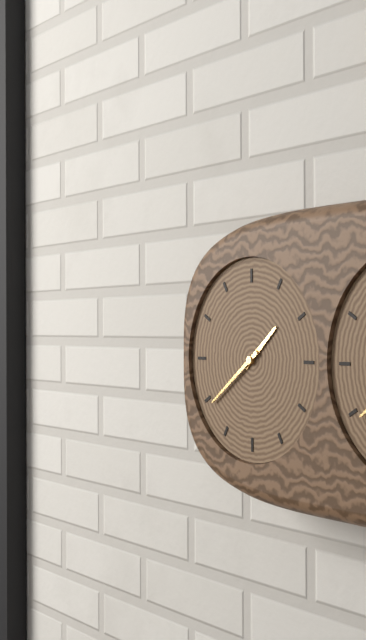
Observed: **1:39**
